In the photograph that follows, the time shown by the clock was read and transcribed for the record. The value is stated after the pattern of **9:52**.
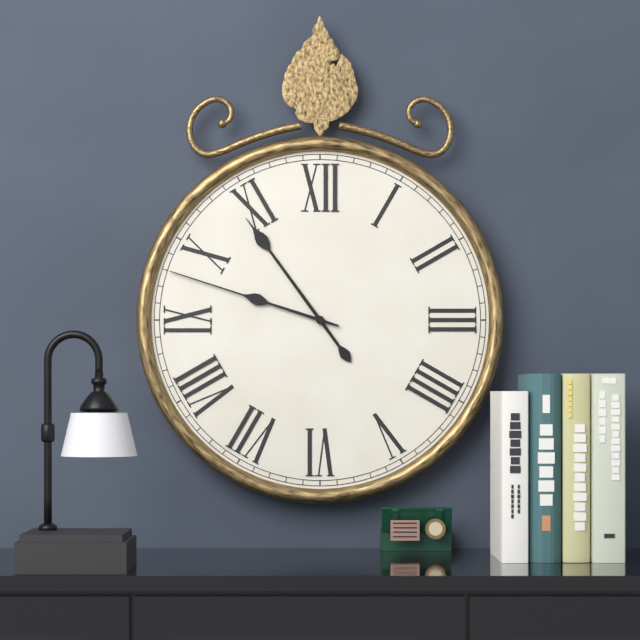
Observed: **10:48**
